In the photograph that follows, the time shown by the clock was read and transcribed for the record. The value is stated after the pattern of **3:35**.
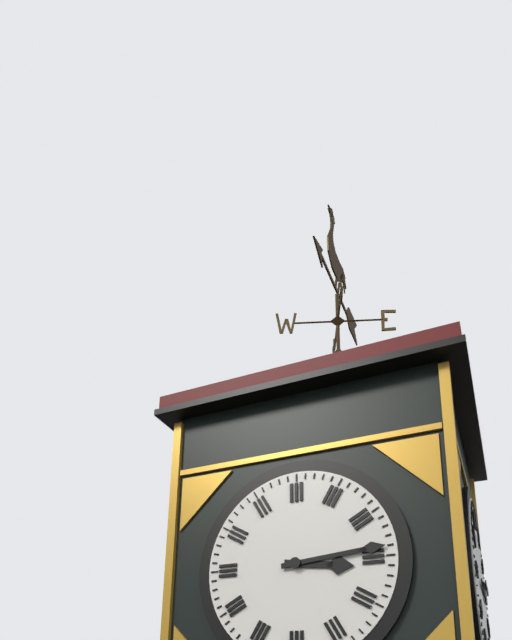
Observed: **3:14**
